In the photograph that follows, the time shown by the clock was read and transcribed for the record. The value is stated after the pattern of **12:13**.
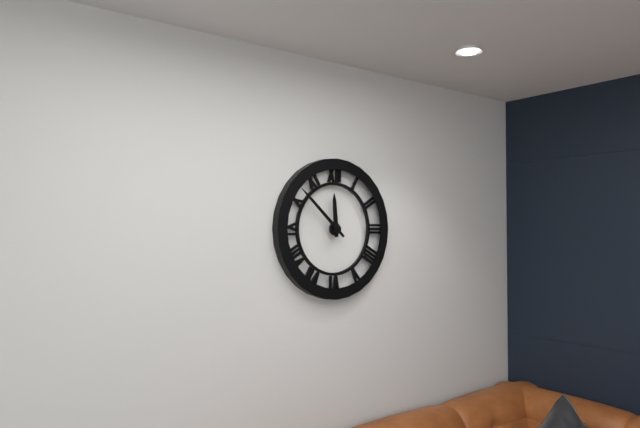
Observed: **11:52**
